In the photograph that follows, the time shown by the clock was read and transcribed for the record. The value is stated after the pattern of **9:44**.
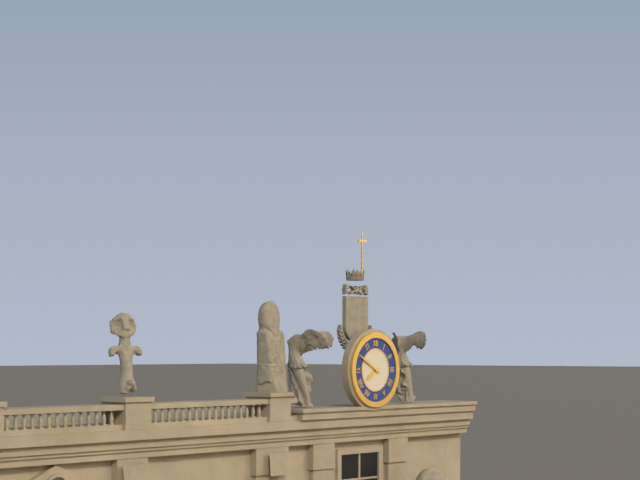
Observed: **7:50**
